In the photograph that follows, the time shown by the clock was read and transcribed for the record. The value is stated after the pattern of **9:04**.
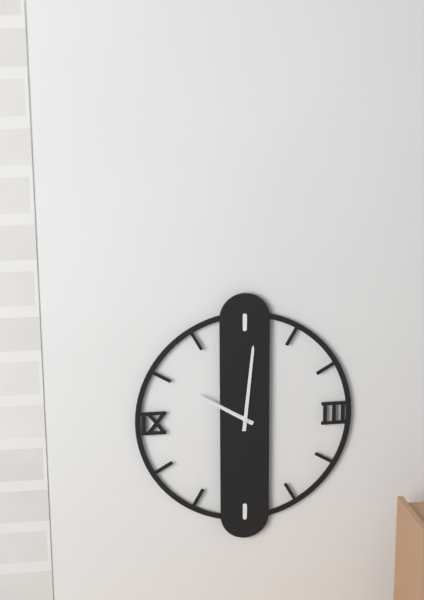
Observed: **10:01**
